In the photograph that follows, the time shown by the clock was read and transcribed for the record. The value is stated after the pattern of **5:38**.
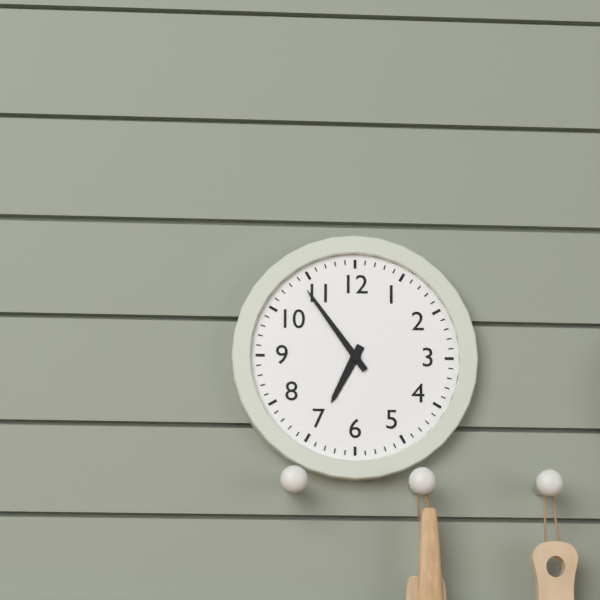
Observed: **6:54**
